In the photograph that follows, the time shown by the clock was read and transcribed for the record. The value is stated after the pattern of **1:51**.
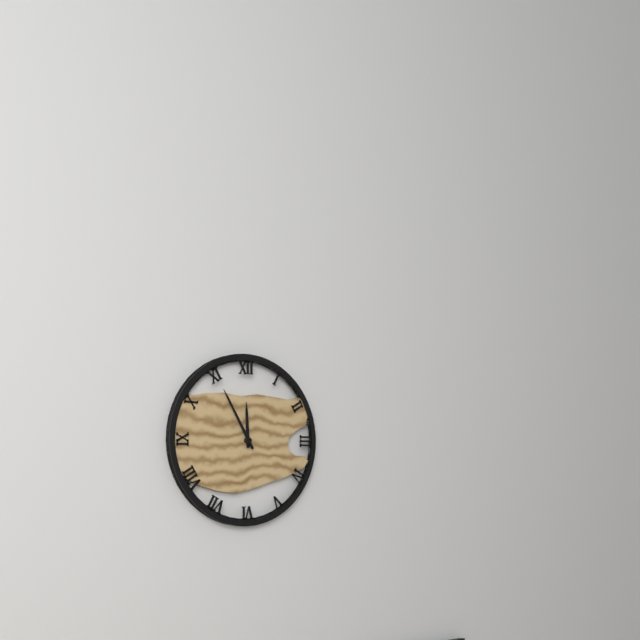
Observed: **11:55**
